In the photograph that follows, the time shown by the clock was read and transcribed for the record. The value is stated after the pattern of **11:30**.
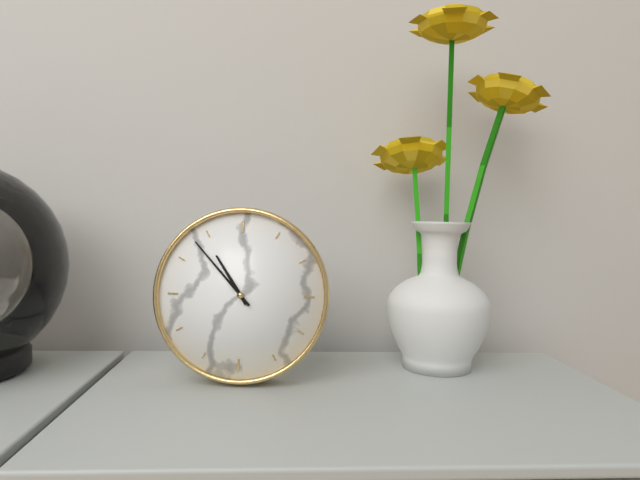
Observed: **10:53**
